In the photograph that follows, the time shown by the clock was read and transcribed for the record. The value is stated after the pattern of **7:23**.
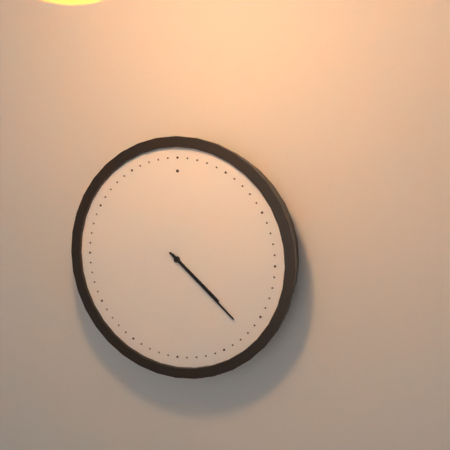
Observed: **4:22**
